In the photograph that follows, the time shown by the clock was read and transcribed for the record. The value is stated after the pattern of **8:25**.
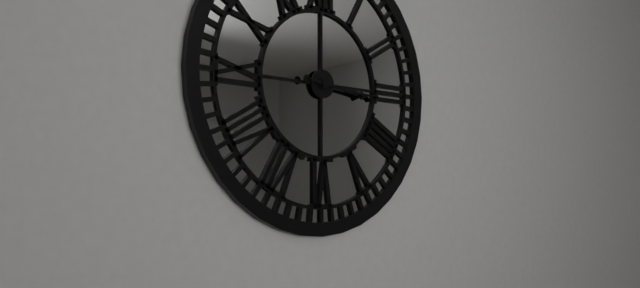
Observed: **3:16**
